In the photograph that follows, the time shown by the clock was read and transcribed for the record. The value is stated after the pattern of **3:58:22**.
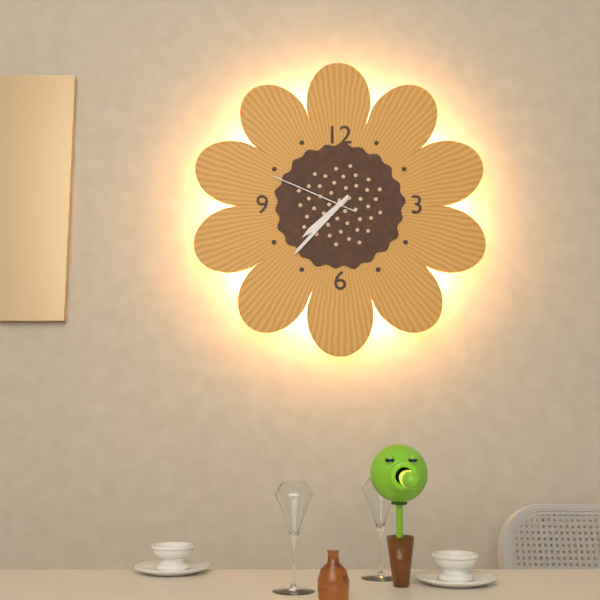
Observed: **7:37:49**
